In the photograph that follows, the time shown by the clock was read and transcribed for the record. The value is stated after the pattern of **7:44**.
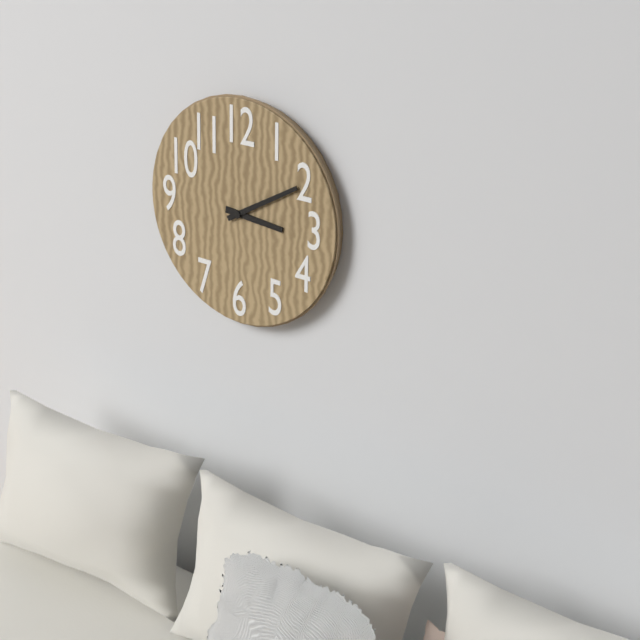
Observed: **3:10**
